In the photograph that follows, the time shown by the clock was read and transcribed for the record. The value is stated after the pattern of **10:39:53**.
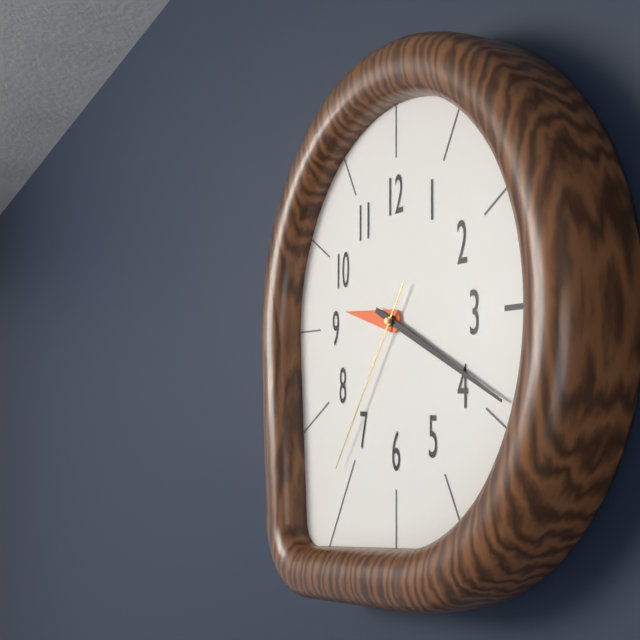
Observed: **9:19:36**
